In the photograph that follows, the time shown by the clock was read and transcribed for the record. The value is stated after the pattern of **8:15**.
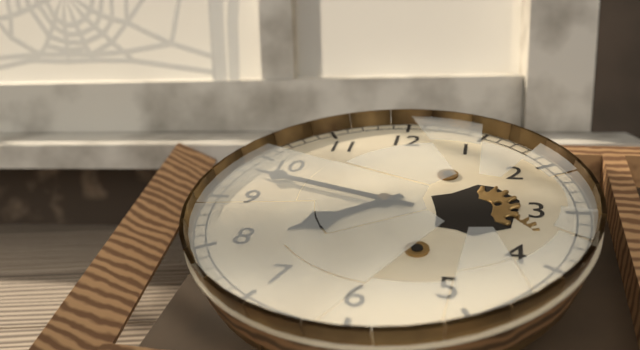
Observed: **7:48**
